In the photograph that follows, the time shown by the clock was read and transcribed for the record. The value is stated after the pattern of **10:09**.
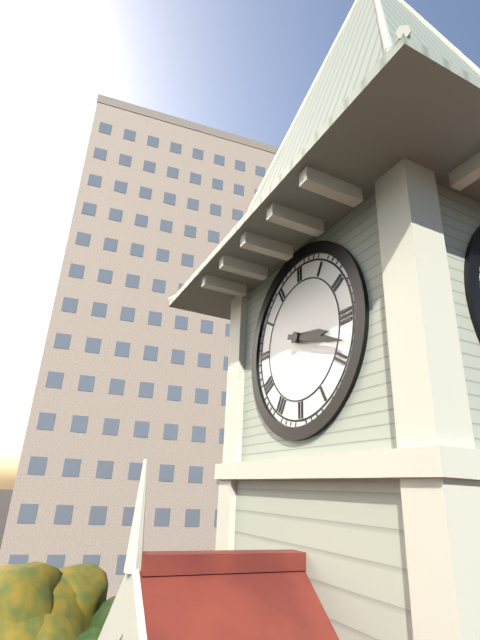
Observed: **3:18**
